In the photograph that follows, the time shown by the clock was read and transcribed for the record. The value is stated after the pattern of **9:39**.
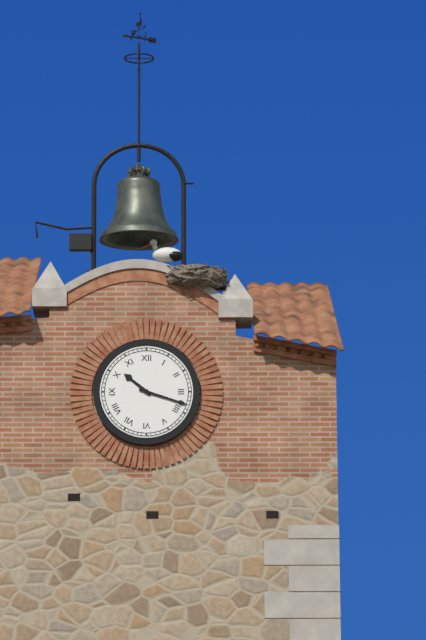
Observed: **10:18**
